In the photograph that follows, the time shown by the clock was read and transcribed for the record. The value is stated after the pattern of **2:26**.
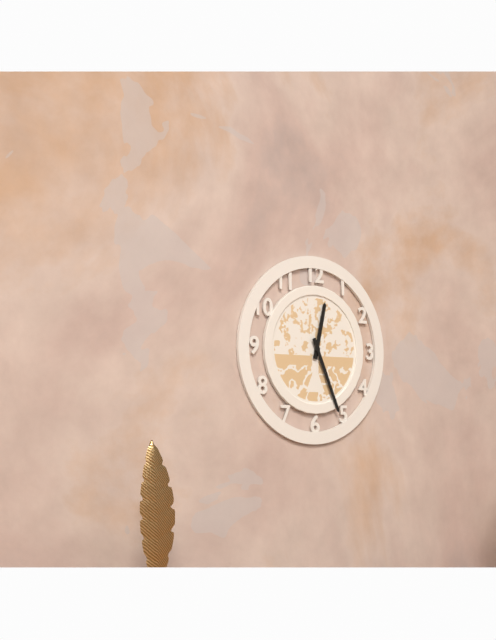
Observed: **12:26**
